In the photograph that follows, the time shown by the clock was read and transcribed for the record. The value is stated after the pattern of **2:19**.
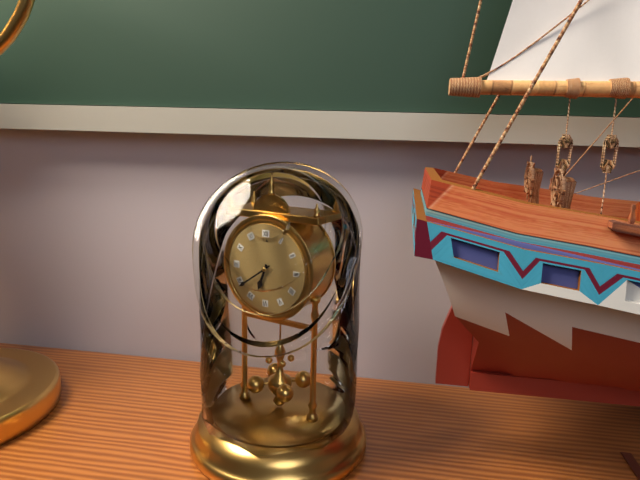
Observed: **6:39**
